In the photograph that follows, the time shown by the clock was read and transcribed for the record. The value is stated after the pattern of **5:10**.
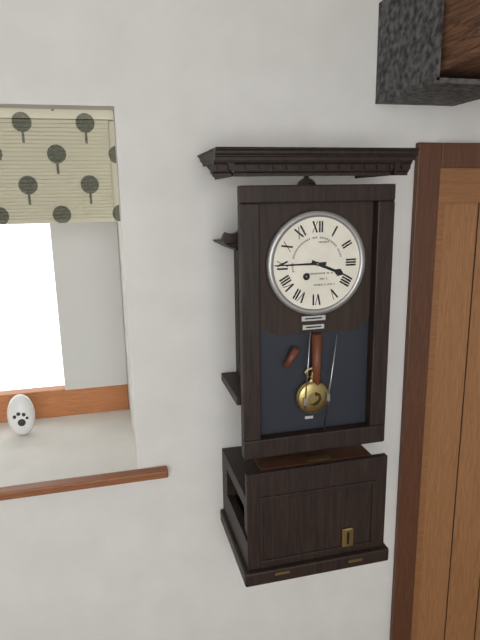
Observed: **3:45**
